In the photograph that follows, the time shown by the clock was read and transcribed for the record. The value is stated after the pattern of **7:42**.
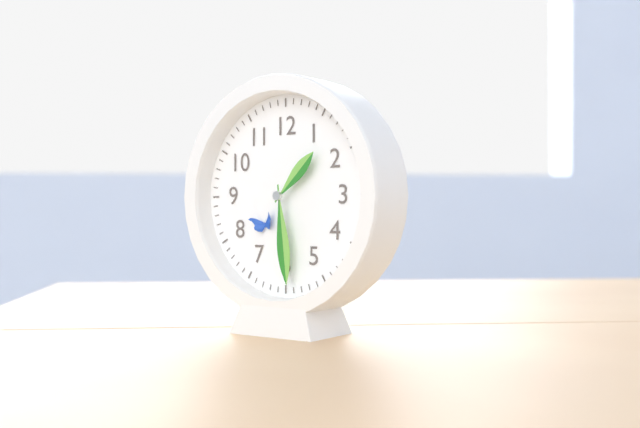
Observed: **1:29**
